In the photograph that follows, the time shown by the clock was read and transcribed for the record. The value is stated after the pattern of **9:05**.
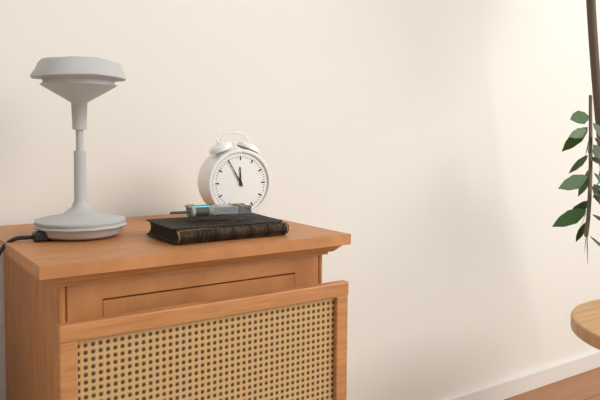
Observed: **11:55**
